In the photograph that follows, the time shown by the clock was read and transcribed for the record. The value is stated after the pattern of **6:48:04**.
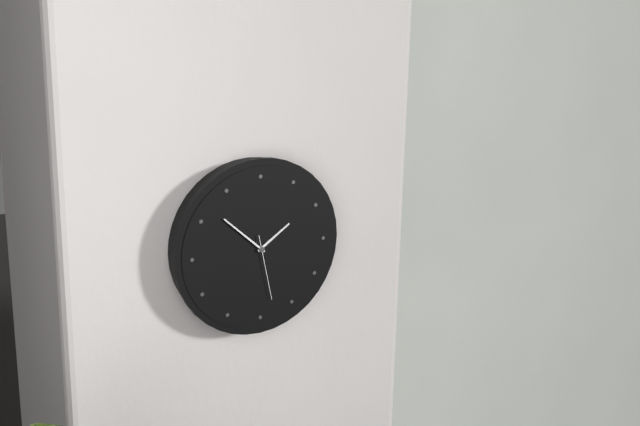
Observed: **1:52:28**
